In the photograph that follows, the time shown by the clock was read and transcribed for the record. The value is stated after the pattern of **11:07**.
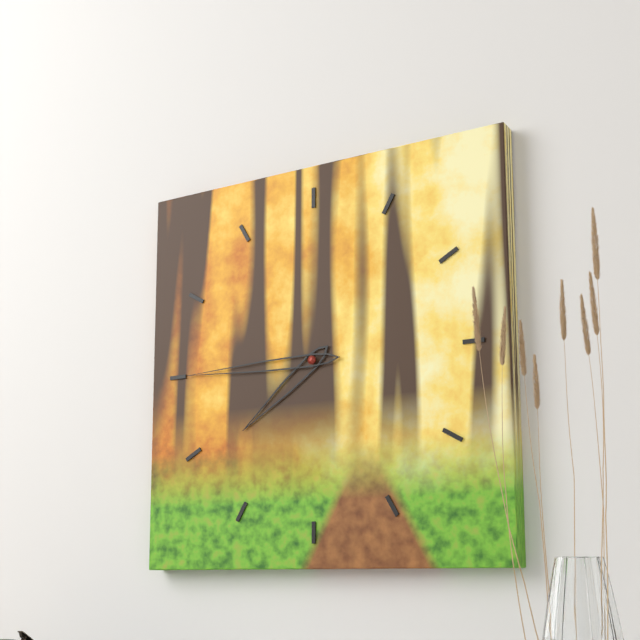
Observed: **7:45**
